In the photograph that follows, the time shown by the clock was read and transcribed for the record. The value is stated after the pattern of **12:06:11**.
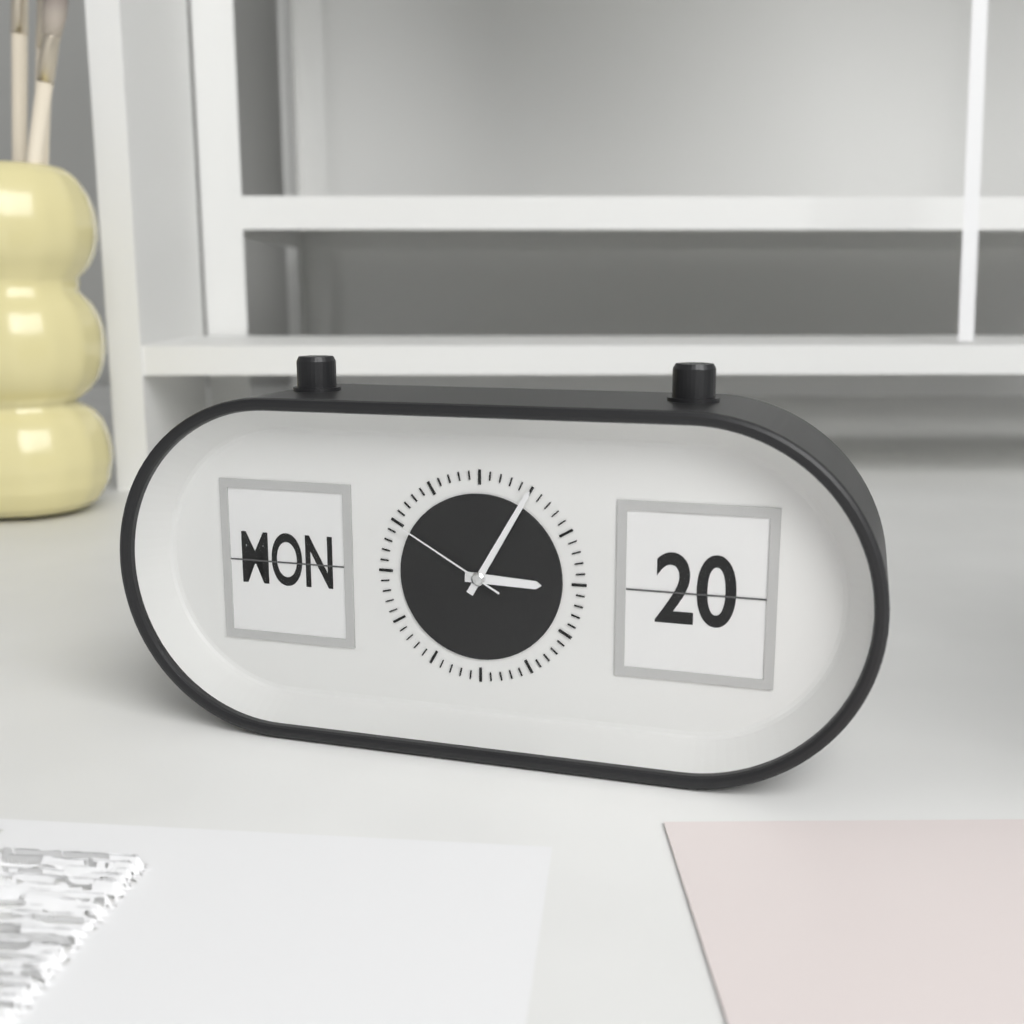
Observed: **3:05:50**
